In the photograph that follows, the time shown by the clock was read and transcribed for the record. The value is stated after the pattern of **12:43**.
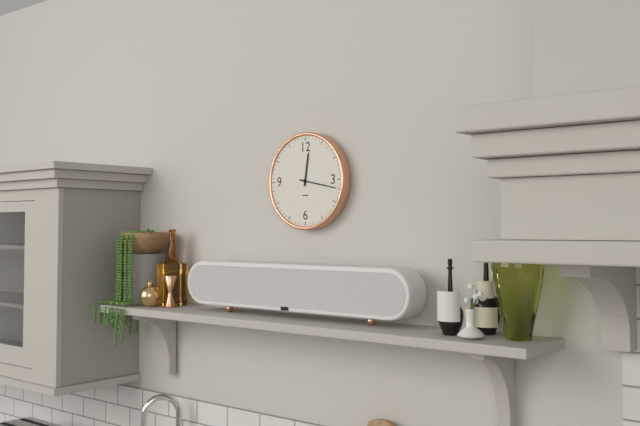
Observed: **12:17**
